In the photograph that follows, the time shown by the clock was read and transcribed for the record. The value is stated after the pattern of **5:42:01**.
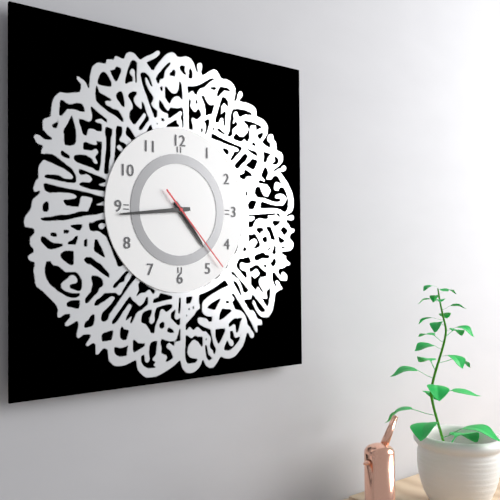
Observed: **4:44:23**
